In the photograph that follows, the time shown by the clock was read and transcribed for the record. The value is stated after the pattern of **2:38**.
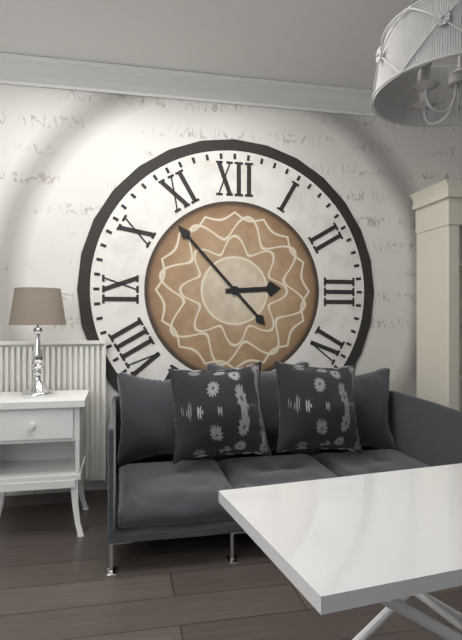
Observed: **2:53**
